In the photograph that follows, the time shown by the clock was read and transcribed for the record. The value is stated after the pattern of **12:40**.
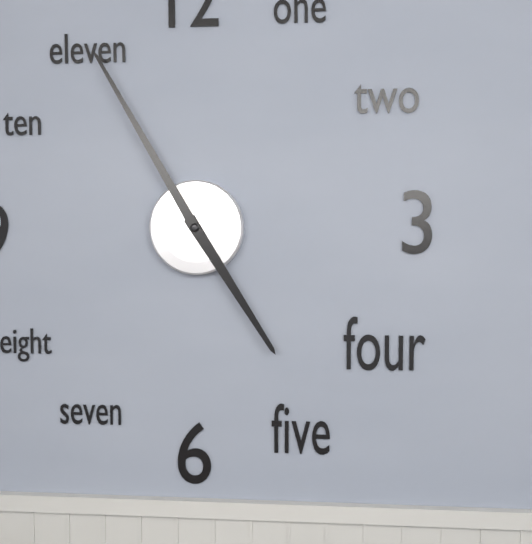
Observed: **4:55**
